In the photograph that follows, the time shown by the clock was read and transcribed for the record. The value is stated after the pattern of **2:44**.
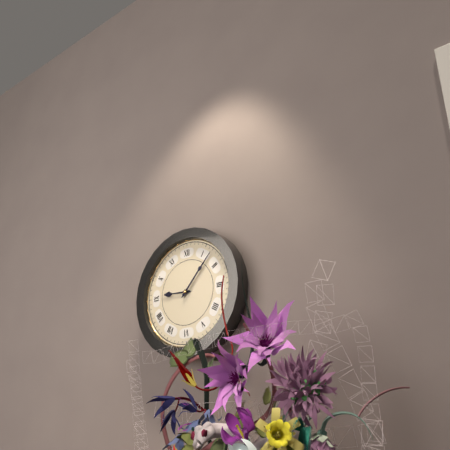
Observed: **9:07**
